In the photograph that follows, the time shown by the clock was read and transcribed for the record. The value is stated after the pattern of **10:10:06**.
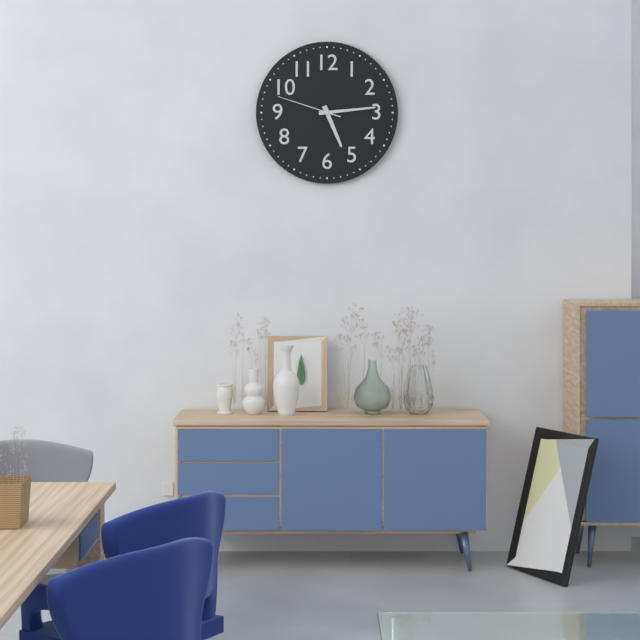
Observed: **5:14:48**
